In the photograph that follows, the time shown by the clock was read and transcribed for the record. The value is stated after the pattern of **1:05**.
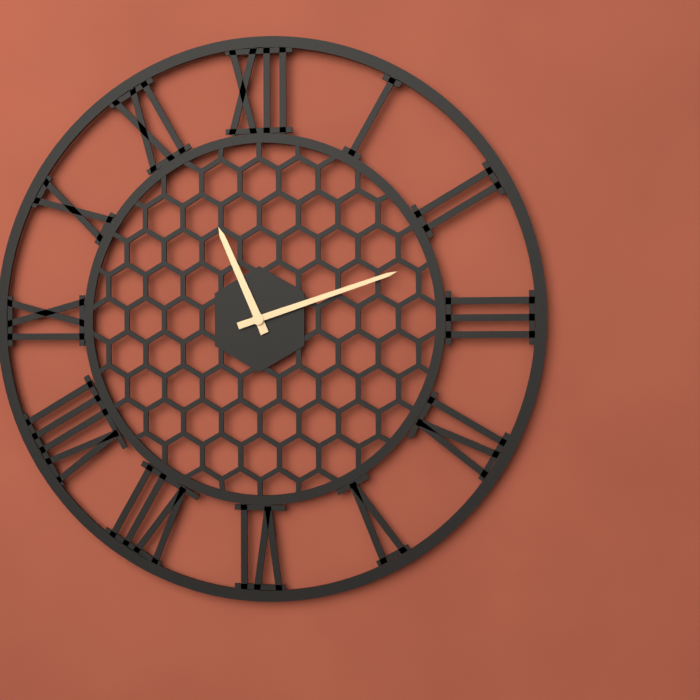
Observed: **11:12**
